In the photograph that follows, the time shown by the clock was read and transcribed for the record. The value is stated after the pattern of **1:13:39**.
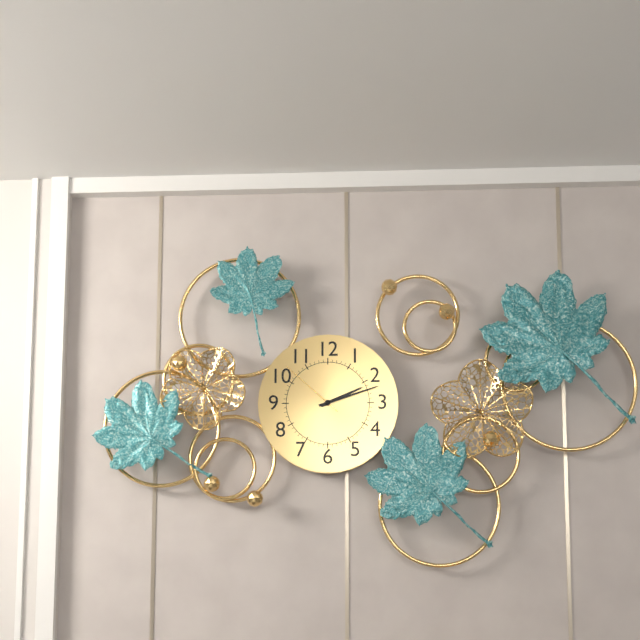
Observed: **2:12:52**
